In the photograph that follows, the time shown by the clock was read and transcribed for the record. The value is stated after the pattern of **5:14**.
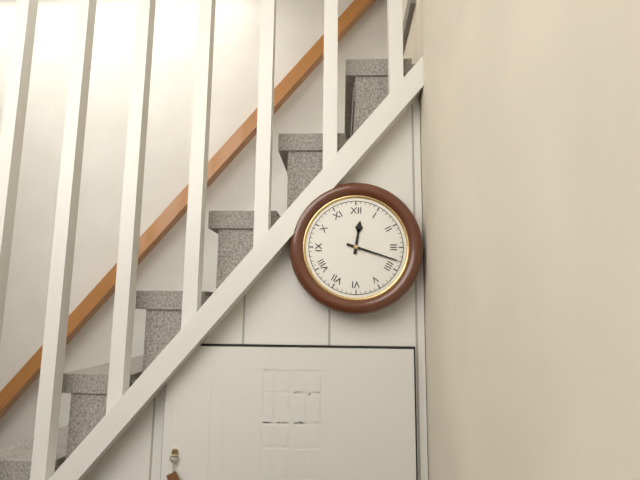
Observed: **12:18**
